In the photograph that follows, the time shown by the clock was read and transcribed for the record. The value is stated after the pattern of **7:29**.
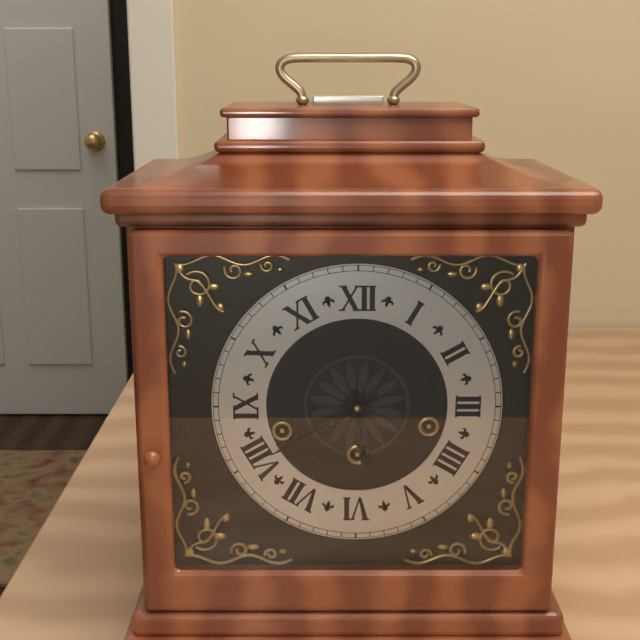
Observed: **5:40**
